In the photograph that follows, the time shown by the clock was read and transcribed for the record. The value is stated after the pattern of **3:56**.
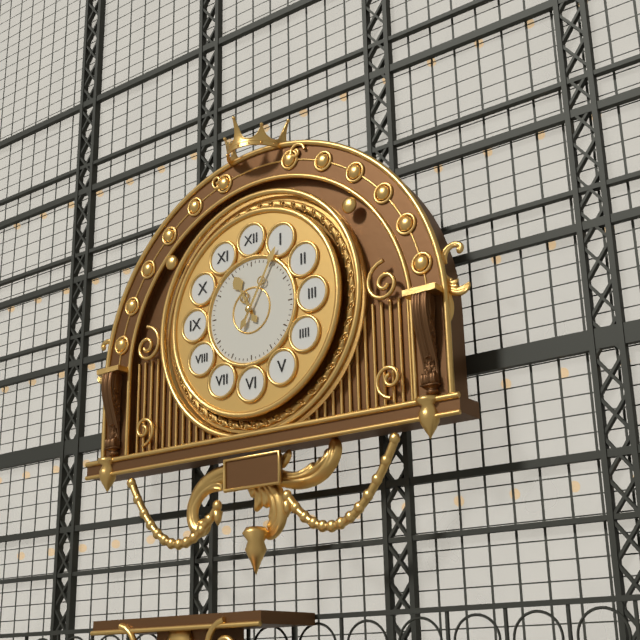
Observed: **11:05**
